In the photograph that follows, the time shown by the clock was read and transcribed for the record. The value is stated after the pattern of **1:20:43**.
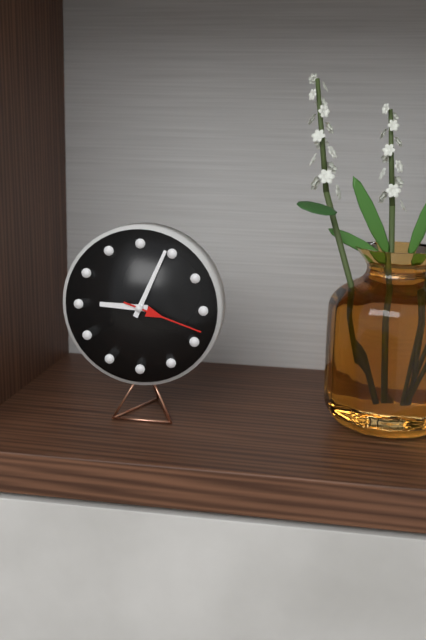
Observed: **9:04:18**
